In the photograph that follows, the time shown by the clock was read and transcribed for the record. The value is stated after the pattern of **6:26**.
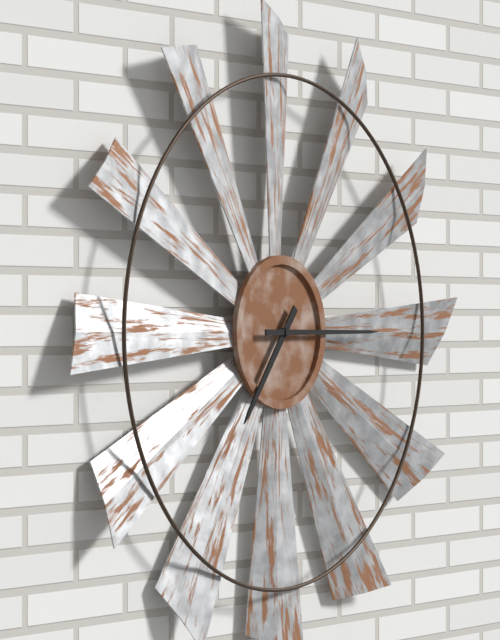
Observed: **7:15**
